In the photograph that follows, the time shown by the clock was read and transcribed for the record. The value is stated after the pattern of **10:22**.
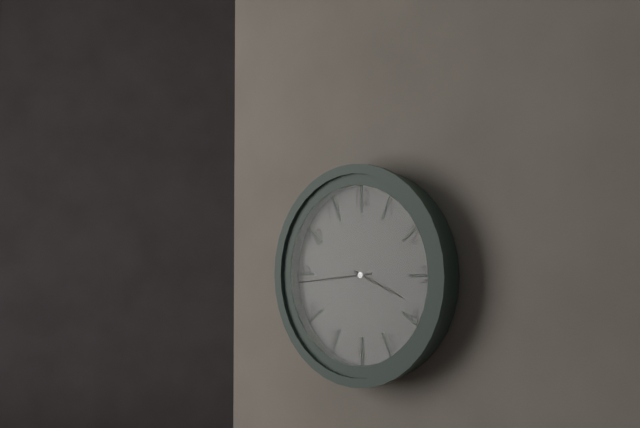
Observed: **3:44**
